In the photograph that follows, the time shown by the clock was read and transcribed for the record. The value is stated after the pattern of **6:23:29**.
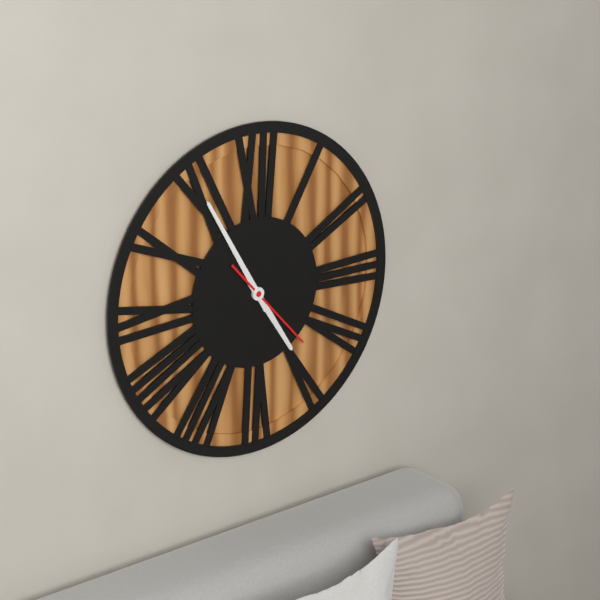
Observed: **4:55:23**
